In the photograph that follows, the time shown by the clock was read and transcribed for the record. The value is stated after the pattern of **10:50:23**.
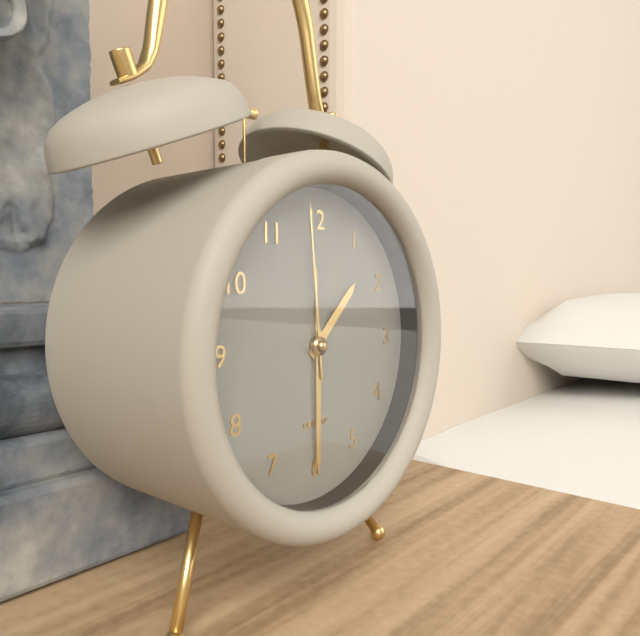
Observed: **1:30:59**
